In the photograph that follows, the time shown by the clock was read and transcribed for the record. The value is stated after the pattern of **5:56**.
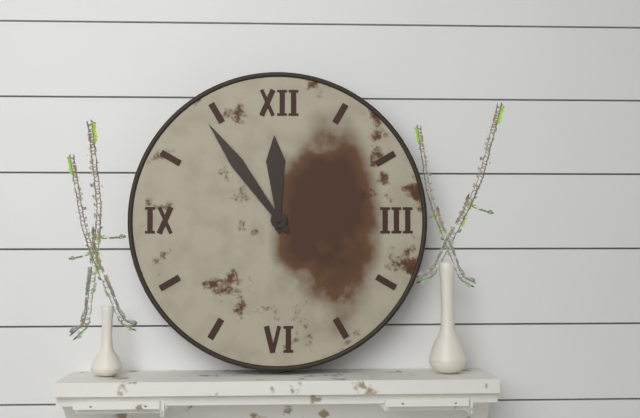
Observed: **11:54**
